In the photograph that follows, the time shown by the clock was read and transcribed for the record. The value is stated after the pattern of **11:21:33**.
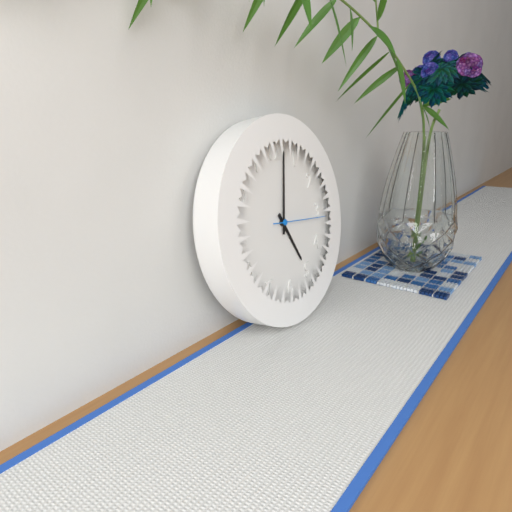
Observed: **5:02:16**
